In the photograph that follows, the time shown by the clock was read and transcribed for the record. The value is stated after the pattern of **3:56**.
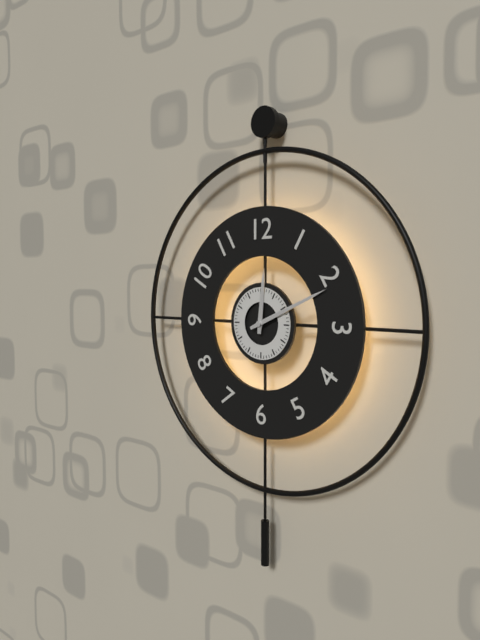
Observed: **12:11**
